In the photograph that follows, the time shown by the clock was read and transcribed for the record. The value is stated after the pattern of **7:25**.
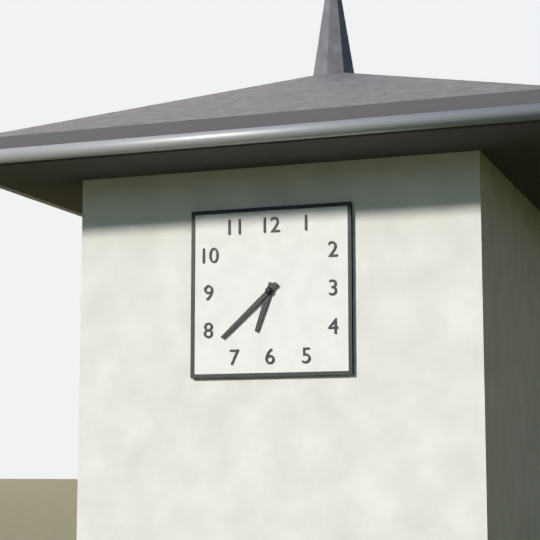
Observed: **6:38**
